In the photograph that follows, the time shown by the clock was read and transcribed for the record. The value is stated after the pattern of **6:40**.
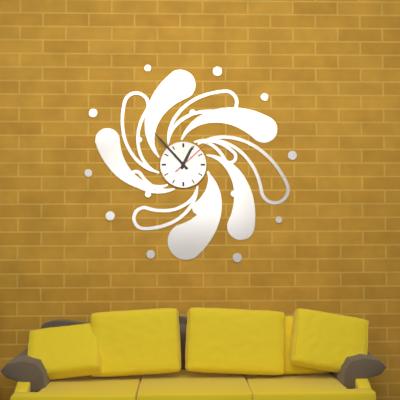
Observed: **12:53**
